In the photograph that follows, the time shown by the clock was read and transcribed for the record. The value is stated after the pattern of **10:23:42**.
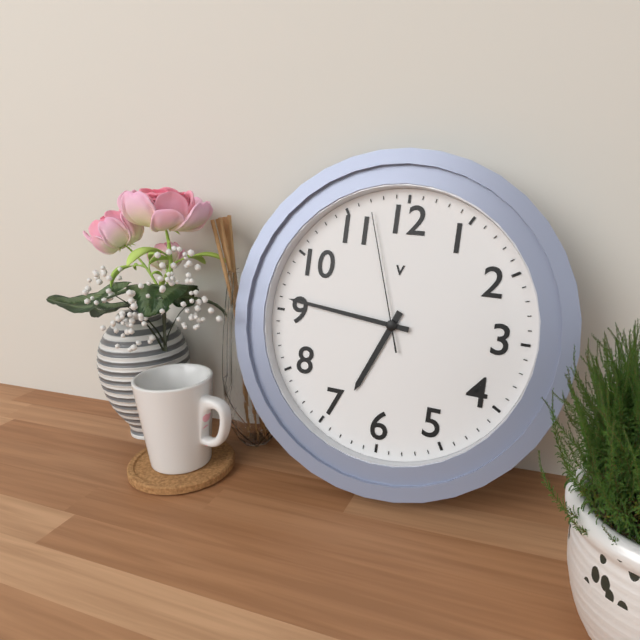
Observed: **6:46:57**
